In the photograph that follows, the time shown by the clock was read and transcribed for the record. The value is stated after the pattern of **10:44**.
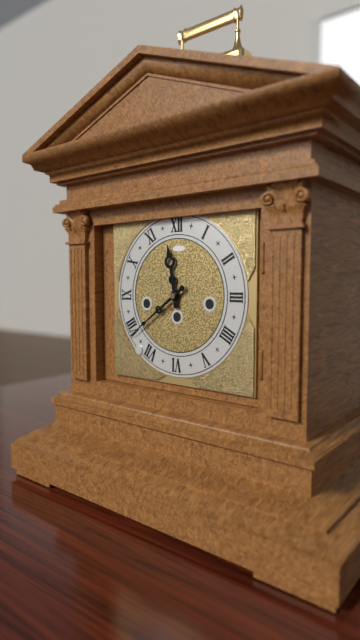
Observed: **11:39**
